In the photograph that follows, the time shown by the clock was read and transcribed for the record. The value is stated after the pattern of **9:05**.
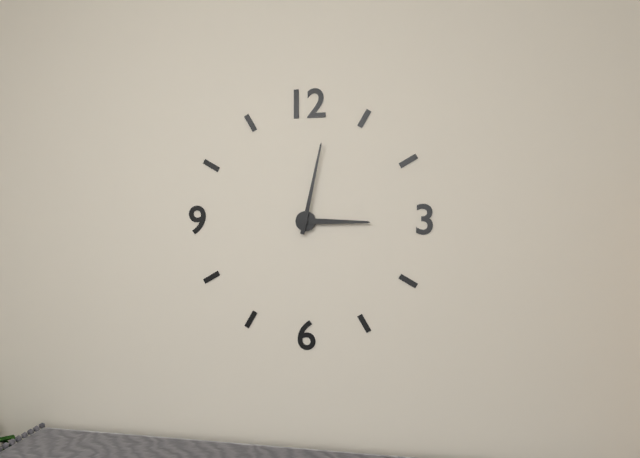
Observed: **3:02**
